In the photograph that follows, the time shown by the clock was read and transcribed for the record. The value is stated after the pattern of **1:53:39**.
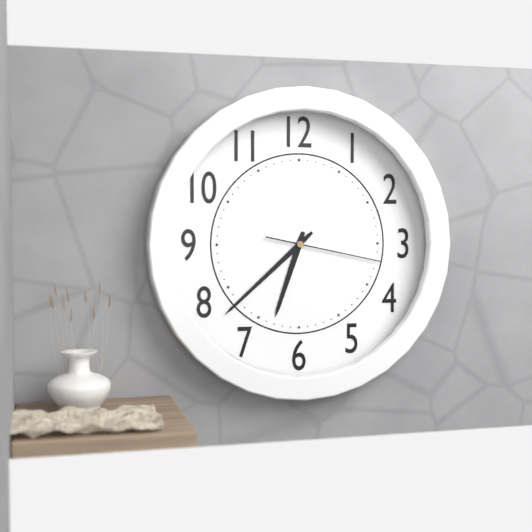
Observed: **6:38:17**
